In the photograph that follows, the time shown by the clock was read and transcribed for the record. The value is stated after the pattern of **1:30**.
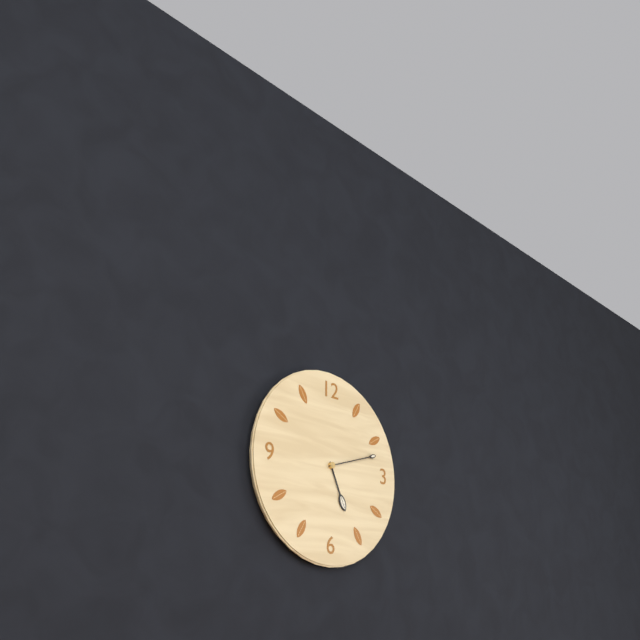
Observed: **5:12**
